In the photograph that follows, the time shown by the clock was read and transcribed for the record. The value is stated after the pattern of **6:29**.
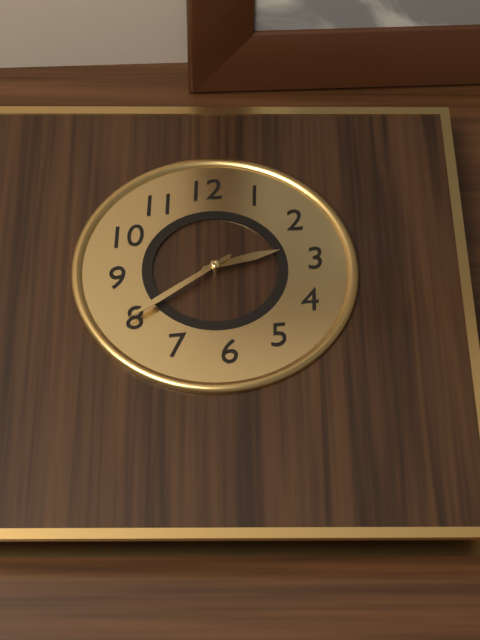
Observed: **2:40**
